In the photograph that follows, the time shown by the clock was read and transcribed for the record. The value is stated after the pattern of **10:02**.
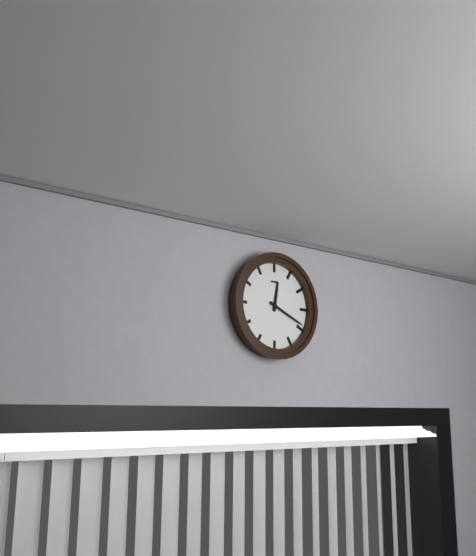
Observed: **12:19**
